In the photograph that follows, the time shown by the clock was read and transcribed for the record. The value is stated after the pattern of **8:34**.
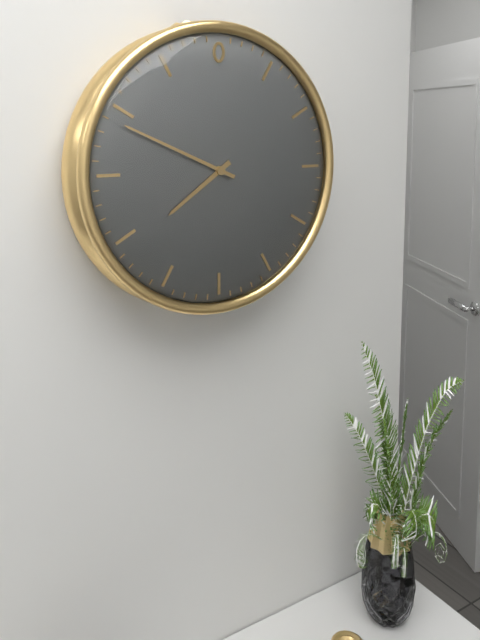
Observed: **7:49**
